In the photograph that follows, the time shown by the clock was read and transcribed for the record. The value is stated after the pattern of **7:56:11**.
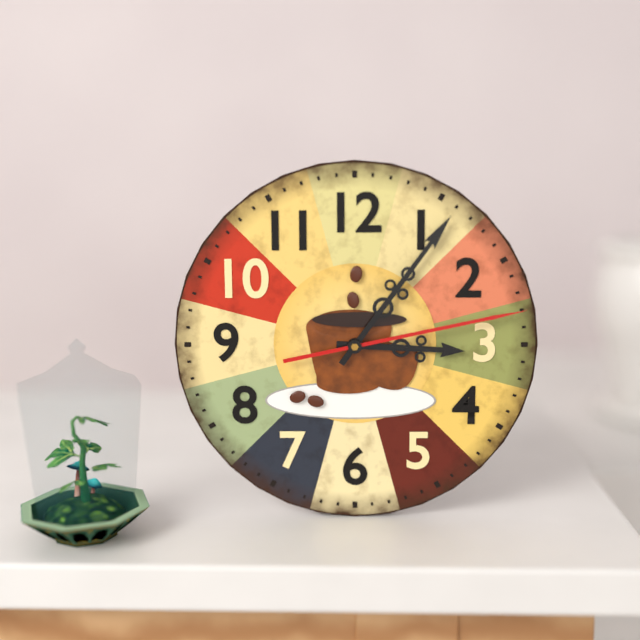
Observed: **3:06:13**
